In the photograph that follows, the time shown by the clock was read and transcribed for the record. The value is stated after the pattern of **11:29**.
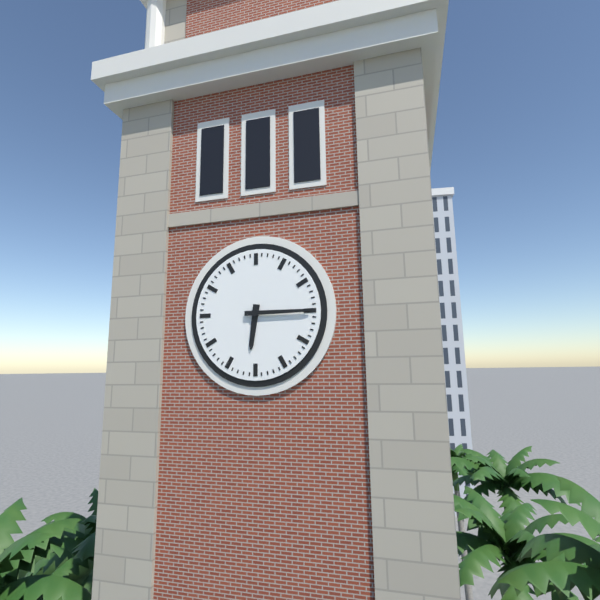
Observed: **6:15**
